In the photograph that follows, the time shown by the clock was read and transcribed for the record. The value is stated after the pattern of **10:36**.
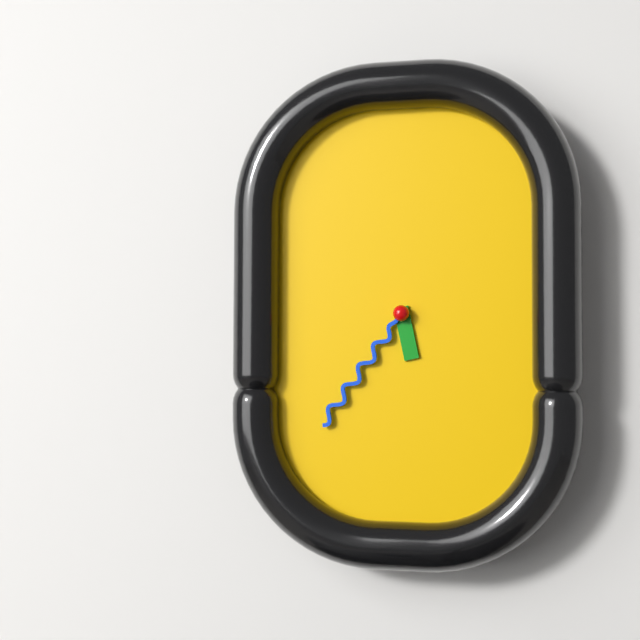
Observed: **5:36**
